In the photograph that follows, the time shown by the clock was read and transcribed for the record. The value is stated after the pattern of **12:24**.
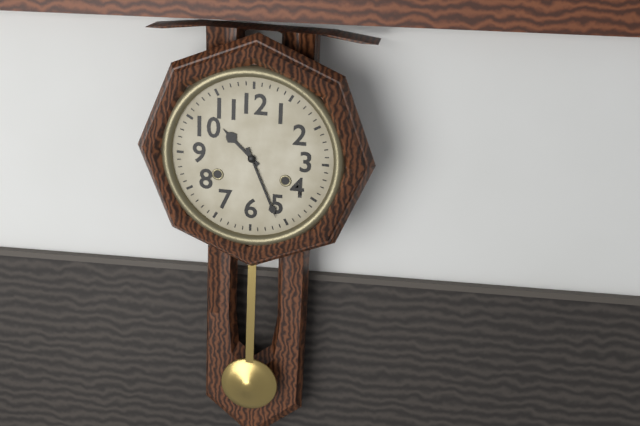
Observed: **10:26**
